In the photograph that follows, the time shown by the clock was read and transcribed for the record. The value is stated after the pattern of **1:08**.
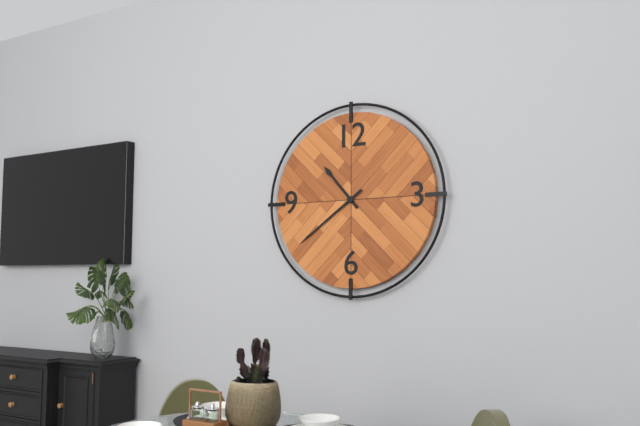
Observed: **10:39**
